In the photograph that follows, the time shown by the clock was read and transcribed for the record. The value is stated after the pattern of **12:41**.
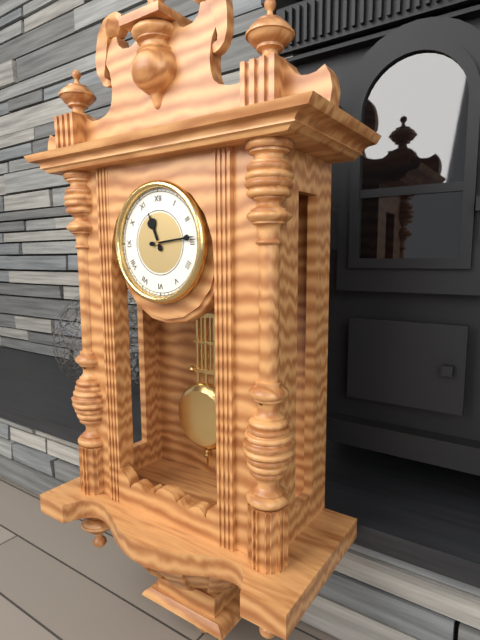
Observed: **11:14**
